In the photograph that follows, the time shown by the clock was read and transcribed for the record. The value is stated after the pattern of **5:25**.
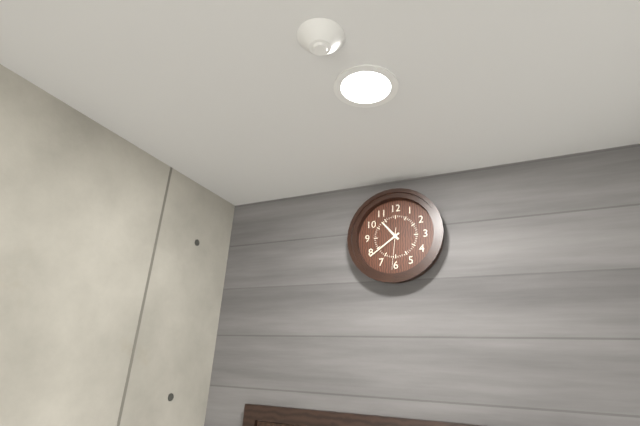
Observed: **10:39**
